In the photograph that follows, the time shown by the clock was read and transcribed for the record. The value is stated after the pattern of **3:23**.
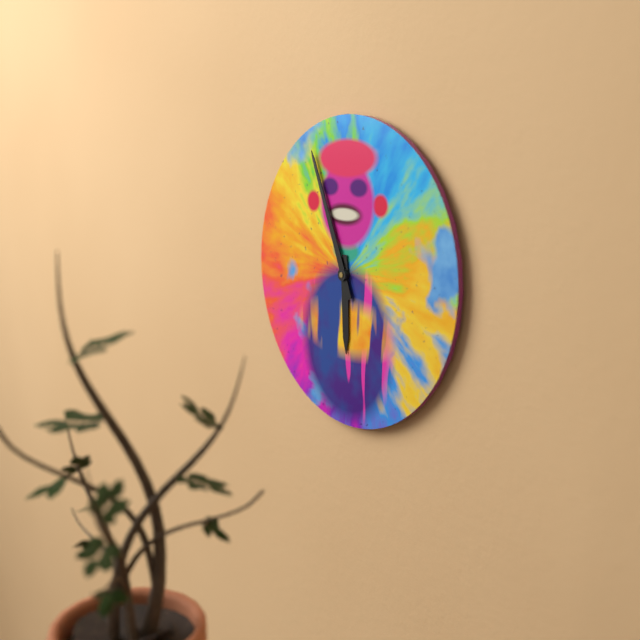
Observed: **5:56**
